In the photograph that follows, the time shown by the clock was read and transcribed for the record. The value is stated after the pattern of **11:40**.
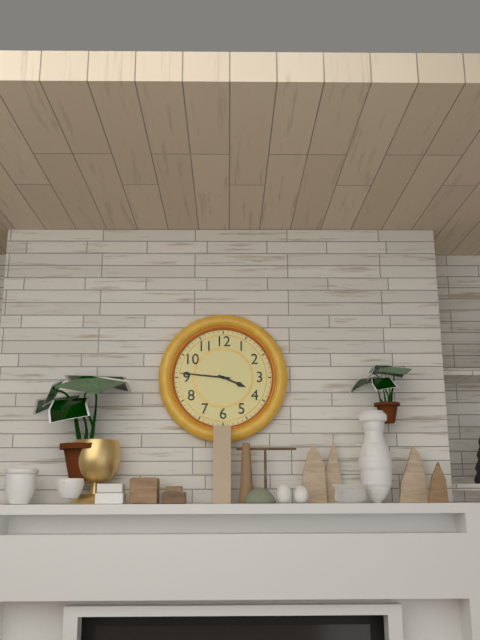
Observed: **3:46**
